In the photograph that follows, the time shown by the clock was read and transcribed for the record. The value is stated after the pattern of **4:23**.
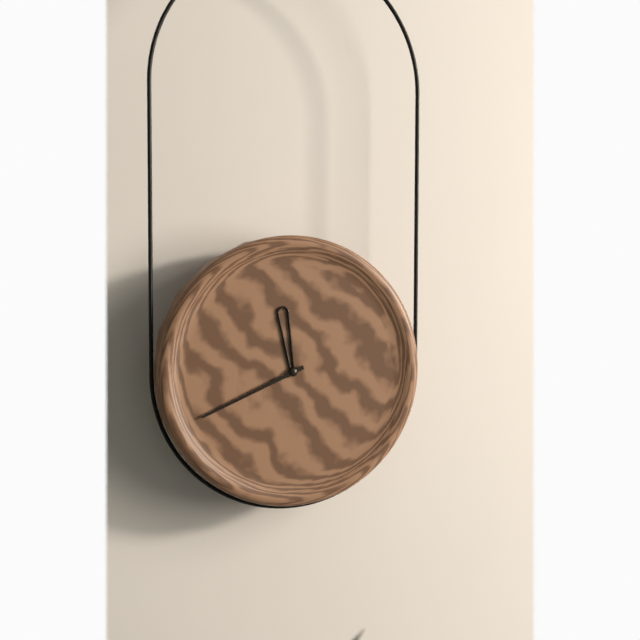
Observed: **11:41**
